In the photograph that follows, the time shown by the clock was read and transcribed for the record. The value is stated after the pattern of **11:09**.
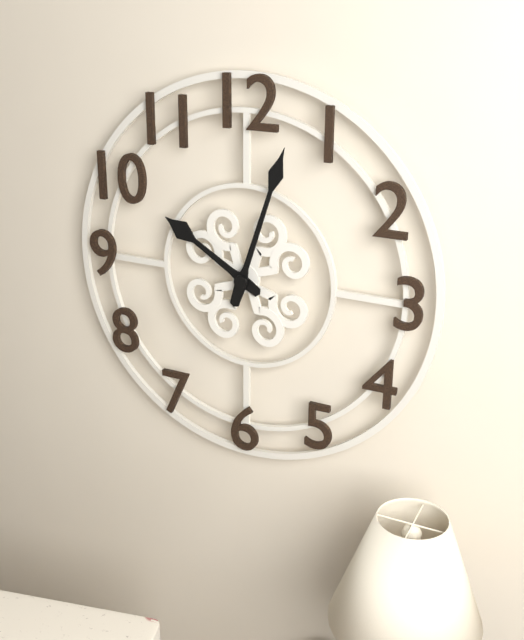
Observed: **10:03**
